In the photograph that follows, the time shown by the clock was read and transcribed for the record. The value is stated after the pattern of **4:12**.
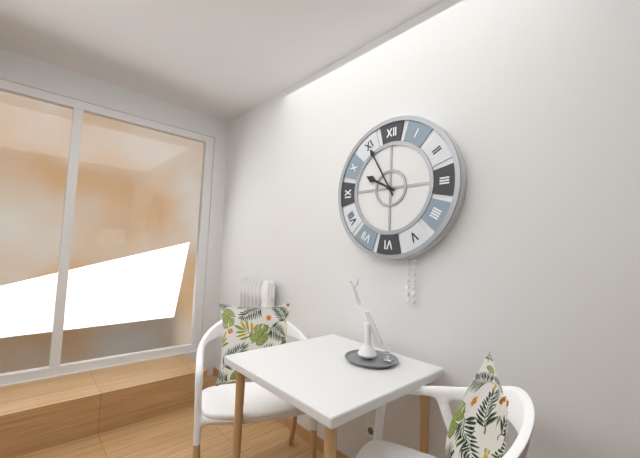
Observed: **9:55**
